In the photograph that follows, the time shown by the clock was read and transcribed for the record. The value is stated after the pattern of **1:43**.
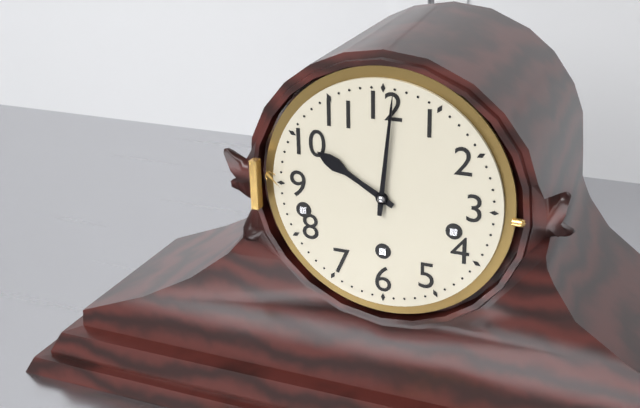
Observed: **10:01**
